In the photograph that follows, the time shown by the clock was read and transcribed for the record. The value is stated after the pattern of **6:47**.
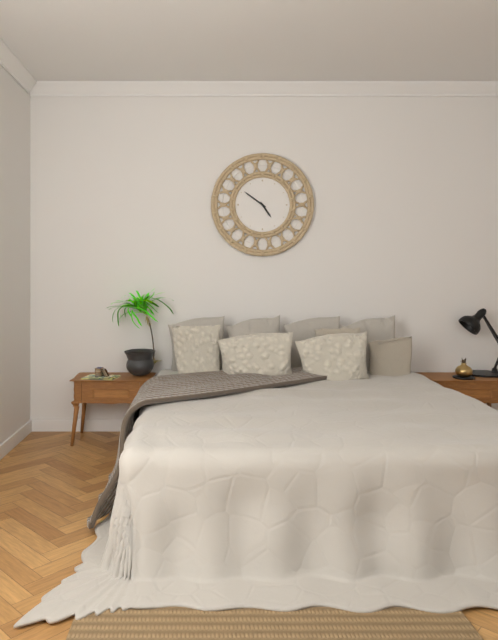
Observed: **4:51**
